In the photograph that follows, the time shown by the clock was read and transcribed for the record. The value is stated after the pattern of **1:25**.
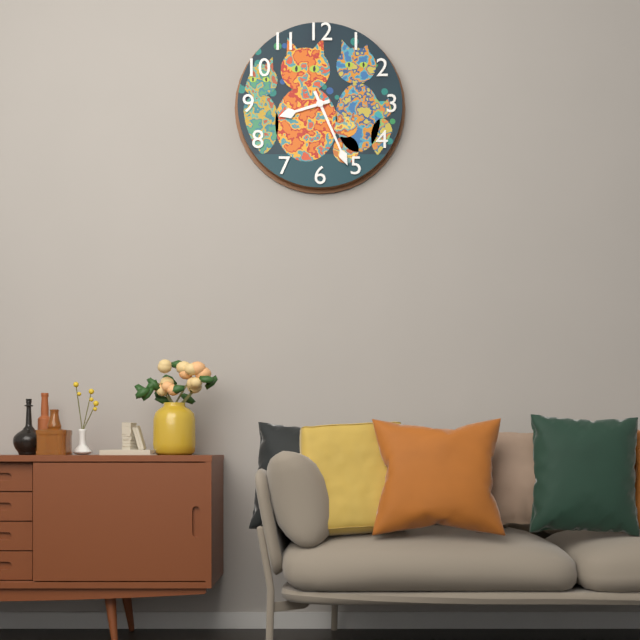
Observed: **8:26**
